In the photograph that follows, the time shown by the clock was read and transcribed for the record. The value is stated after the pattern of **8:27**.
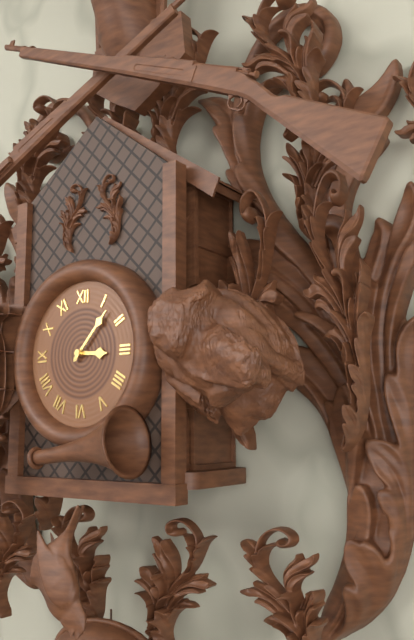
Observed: **3:07**
